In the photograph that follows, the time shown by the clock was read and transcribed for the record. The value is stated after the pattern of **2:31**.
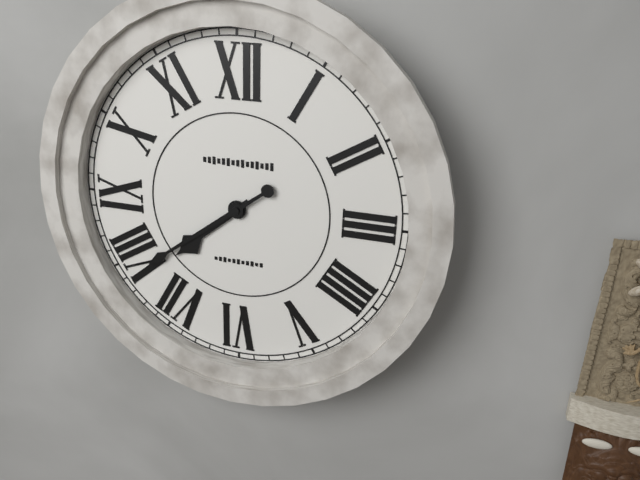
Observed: **7:39**
